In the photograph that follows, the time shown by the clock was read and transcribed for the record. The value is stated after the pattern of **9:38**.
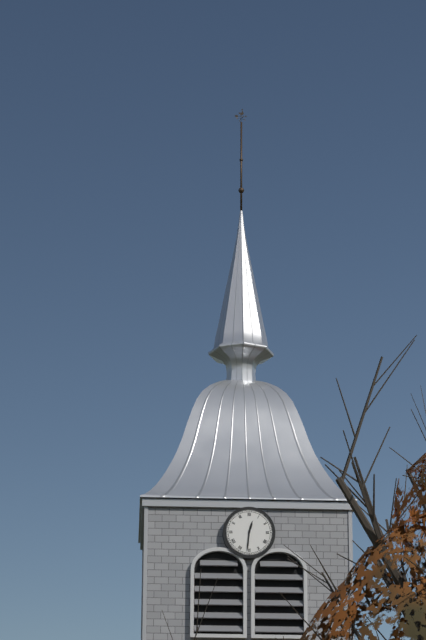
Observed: **12:31**
